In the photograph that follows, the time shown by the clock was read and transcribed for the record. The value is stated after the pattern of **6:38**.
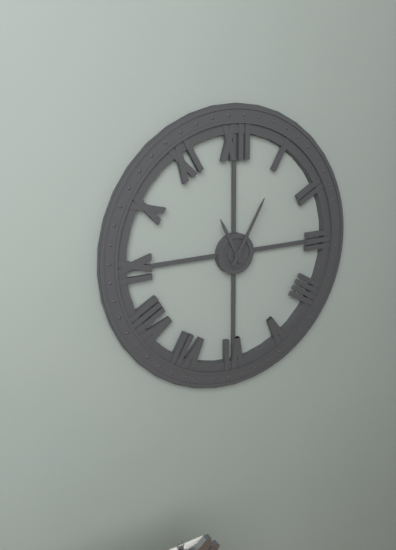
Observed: **11:05**
